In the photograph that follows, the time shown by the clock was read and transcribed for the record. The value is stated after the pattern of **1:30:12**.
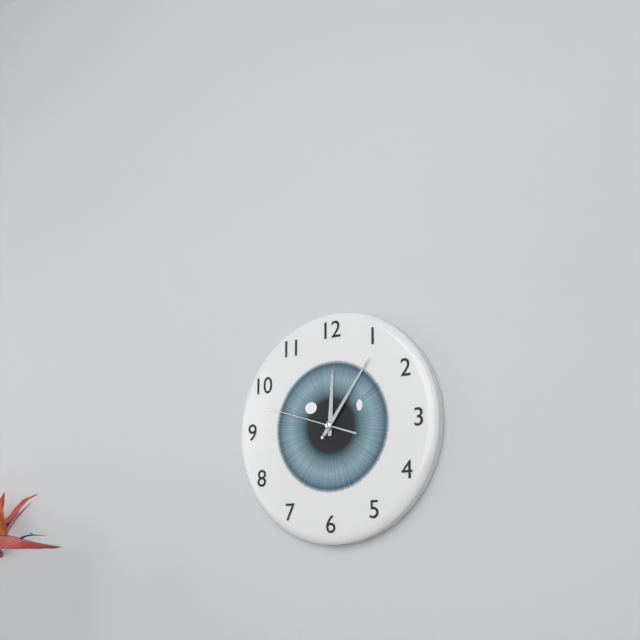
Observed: **12:06:48**
